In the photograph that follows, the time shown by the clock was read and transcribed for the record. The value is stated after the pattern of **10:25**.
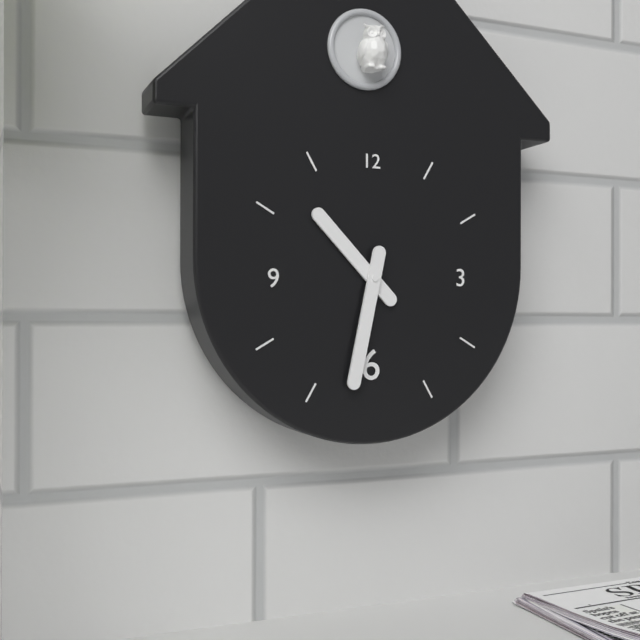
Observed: **10:32**
